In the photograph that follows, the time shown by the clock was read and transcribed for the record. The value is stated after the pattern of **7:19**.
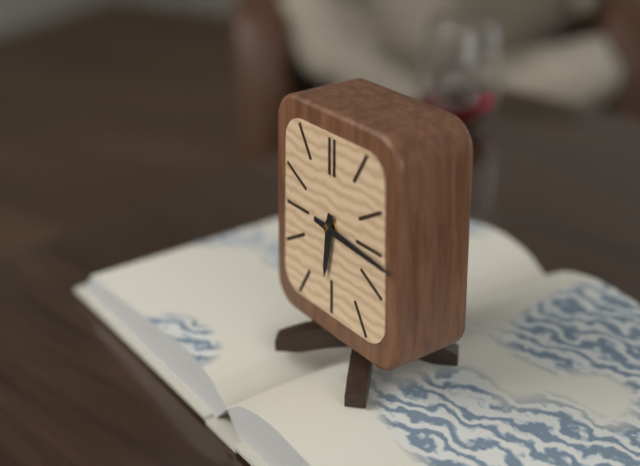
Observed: **6:16**
